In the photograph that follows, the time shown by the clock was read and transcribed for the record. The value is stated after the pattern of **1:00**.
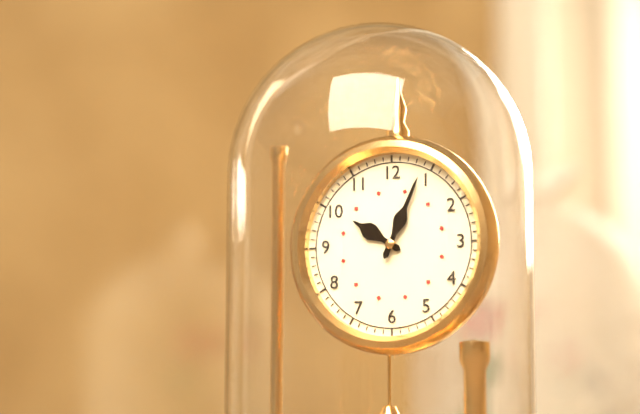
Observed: **10:04**
